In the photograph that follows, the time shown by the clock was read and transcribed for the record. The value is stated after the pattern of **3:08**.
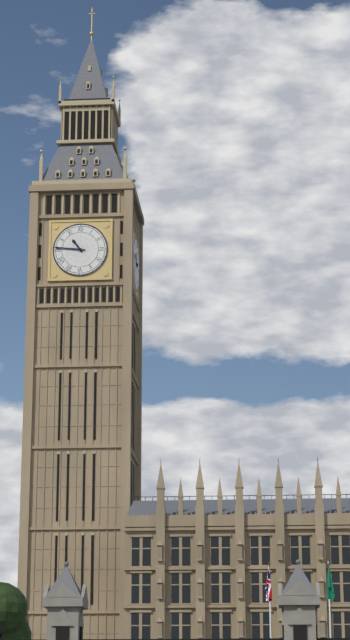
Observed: **10:46**
